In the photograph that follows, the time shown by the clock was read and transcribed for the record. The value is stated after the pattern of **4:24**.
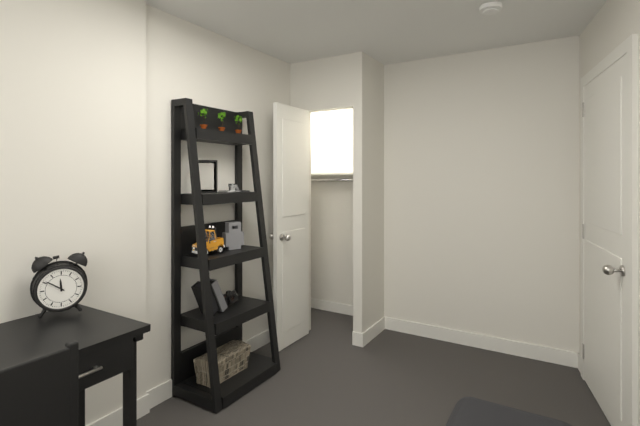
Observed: **11:51**
